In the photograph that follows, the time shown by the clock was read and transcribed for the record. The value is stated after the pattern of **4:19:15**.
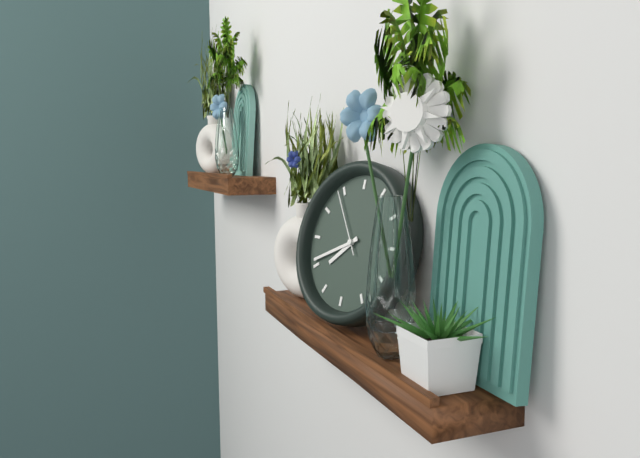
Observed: **7:41:54**
